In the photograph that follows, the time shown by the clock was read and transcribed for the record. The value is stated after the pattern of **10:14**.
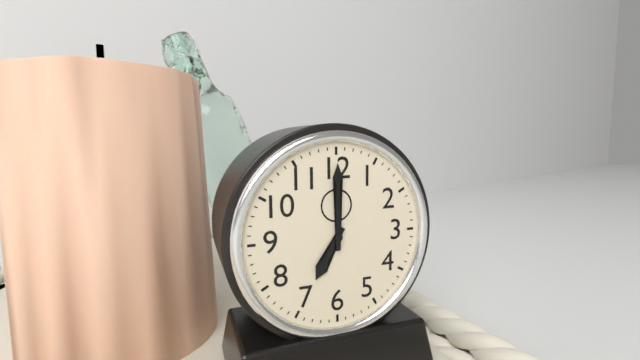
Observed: **7:00**
